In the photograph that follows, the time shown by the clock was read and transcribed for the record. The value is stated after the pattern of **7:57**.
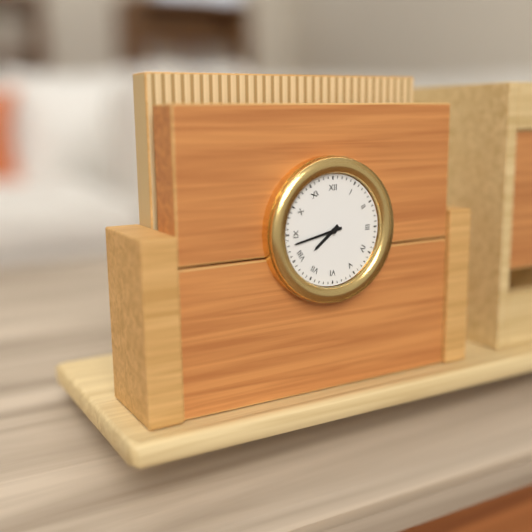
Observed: **7:43**
